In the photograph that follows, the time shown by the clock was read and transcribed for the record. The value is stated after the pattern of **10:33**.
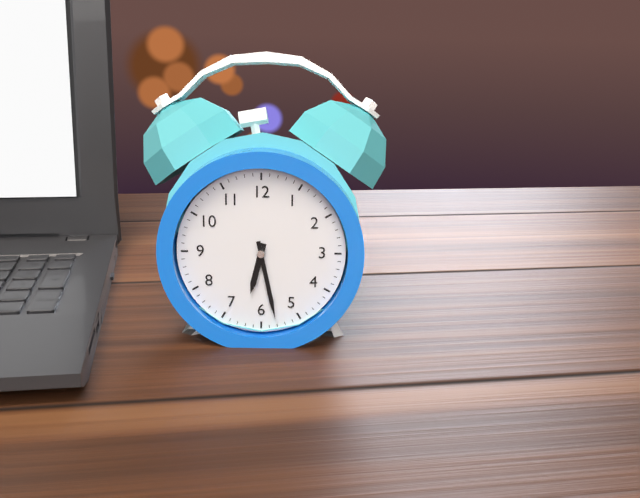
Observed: **6:28**
